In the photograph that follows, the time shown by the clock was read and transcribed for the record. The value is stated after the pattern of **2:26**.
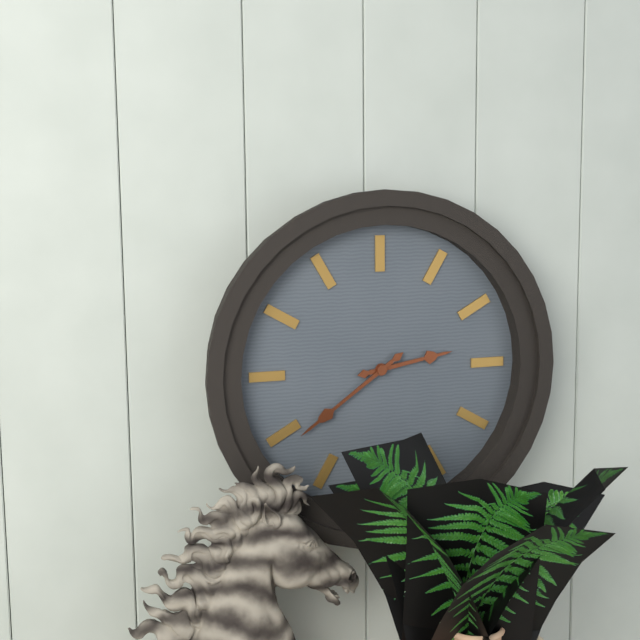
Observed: **2:39**
